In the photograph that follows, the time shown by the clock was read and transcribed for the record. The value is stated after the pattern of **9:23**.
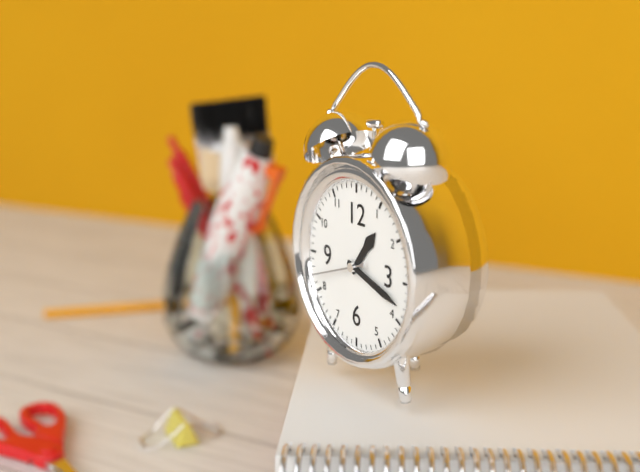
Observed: **1:18**
